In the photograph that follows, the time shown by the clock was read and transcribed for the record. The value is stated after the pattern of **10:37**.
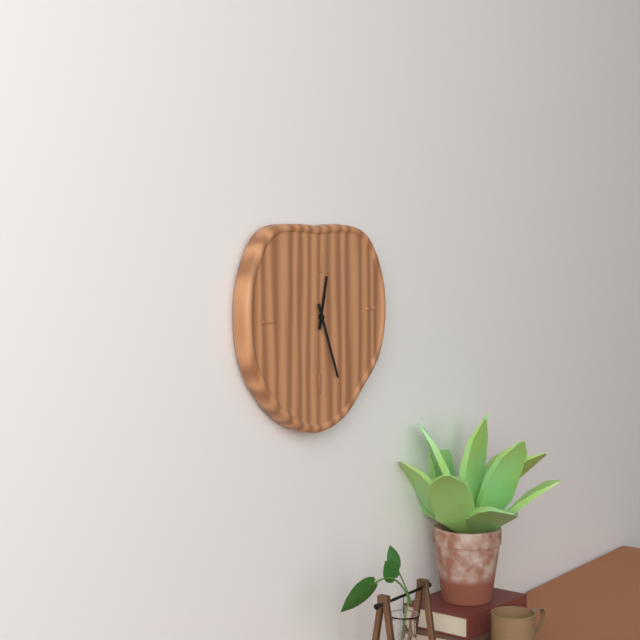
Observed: **12:26**
